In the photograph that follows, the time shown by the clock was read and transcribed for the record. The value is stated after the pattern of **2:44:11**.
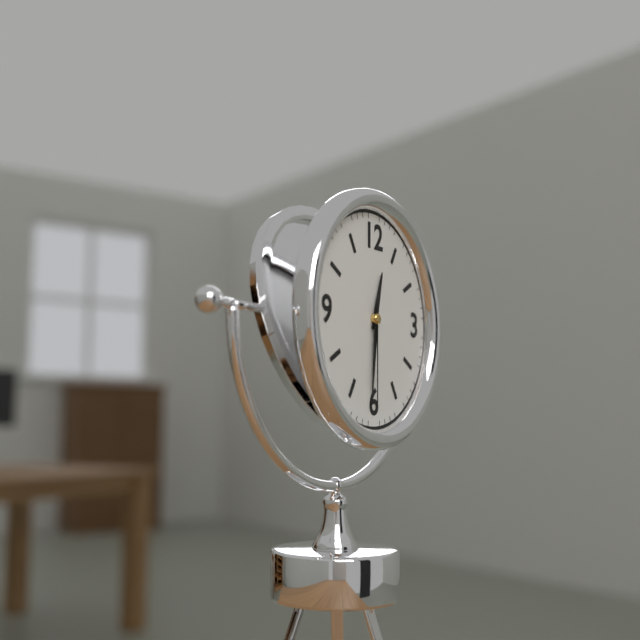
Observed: **12:31:30**
